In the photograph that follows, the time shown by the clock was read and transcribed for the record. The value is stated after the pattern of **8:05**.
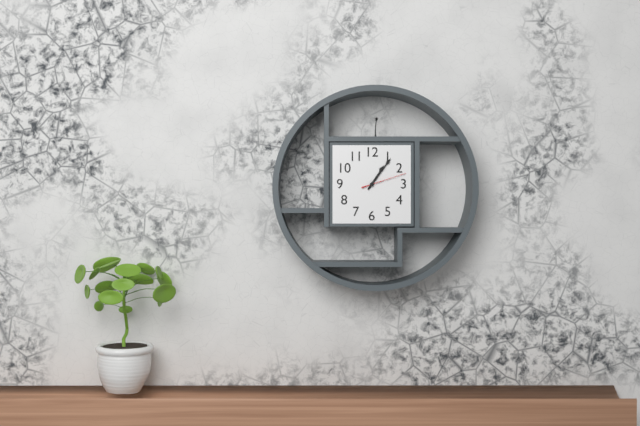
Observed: **1:06**
